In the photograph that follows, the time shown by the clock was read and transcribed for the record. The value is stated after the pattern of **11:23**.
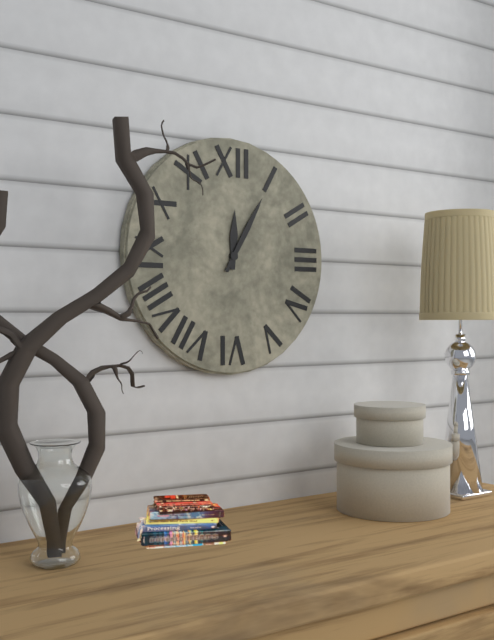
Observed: **12:05**
